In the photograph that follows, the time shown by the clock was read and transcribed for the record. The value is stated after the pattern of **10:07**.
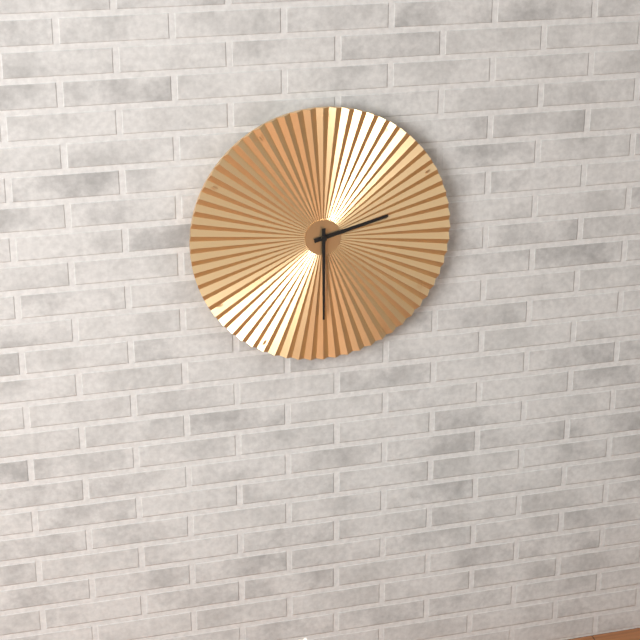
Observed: **2:30**
